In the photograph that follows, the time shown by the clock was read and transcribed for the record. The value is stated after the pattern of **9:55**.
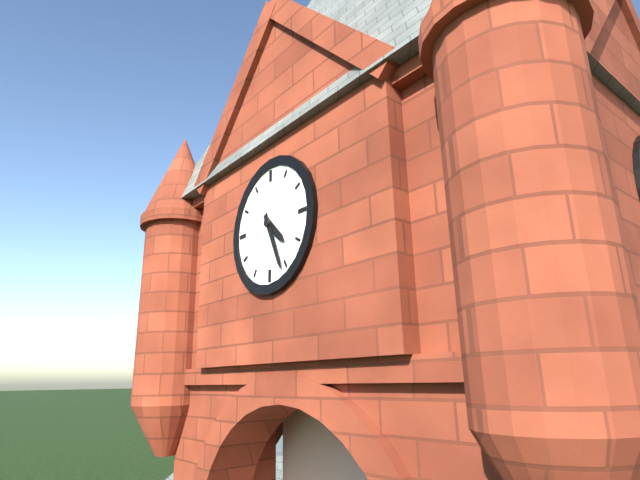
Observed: **4:26**
